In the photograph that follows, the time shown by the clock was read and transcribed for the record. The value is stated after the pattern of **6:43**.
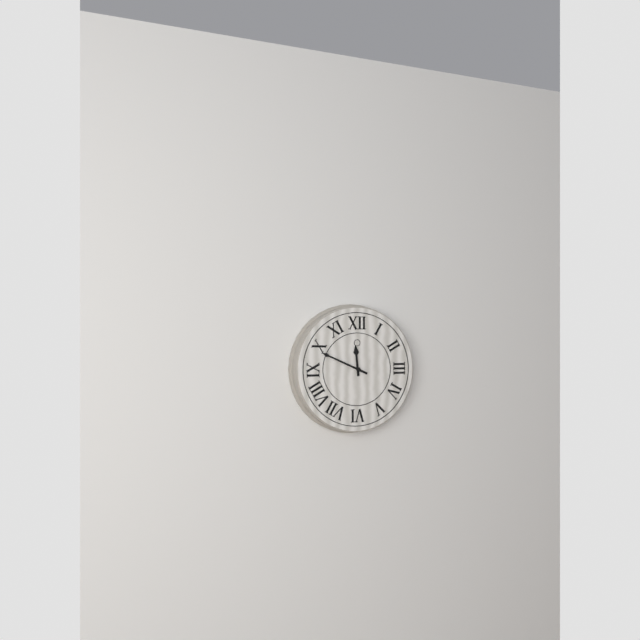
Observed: **11:49**
